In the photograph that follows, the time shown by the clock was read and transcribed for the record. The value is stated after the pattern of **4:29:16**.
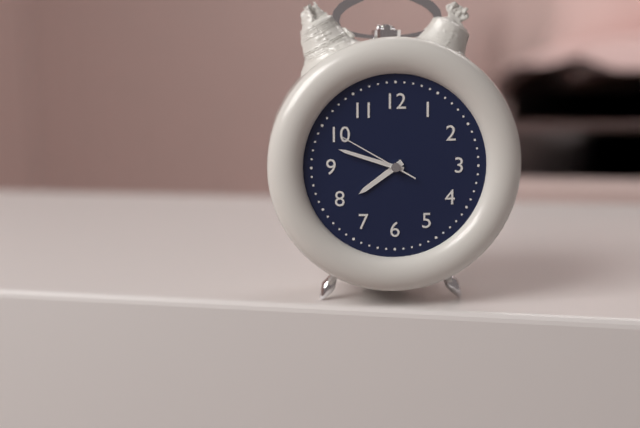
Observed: **7:48:50**
